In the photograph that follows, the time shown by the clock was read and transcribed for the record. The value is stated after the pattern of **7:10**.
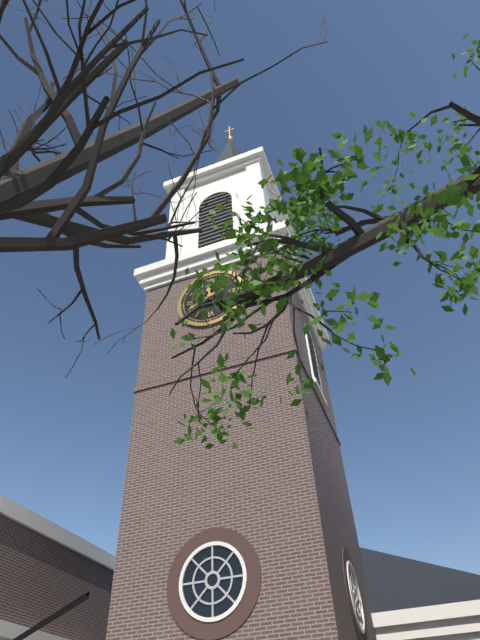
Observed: **11:41**
